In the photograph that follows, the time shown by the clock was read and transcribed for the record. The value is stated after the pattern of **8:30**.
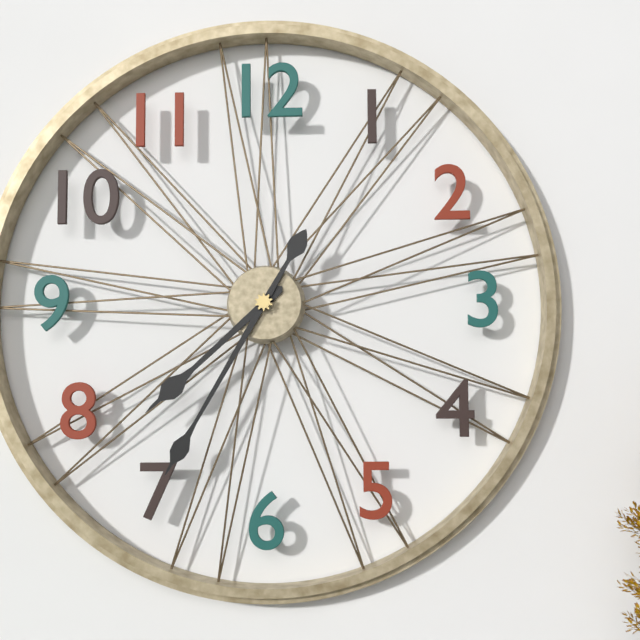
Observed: **7:35**
